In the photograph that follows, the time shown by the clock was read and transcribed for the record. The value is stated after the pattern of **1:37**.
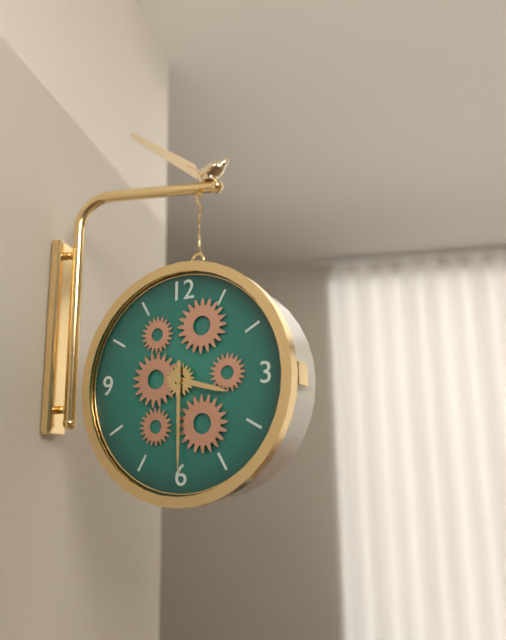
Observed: **3:30**
